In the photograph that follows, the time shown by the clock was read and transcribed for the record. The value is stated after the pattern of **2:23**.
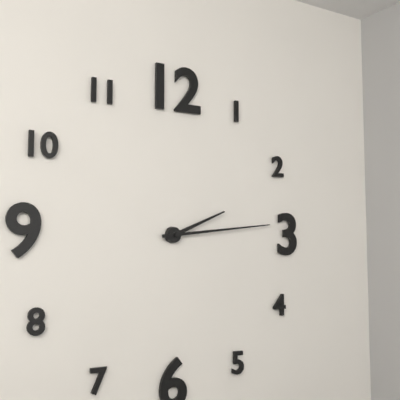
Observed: **2:14**
